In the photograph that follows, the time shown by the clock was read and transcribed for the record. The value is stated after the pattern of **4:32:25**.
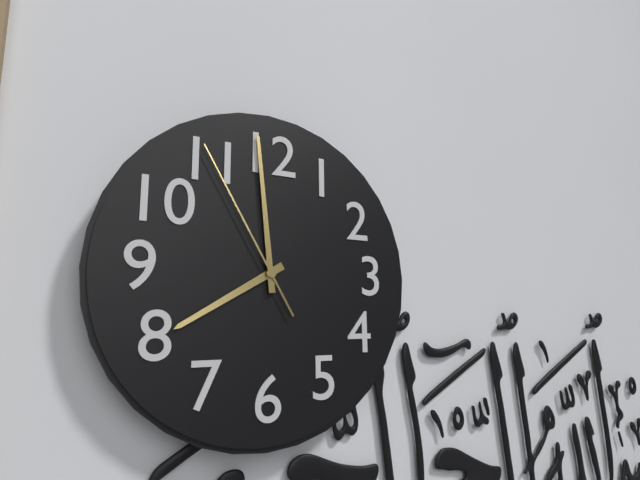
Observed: **7:59:55**
